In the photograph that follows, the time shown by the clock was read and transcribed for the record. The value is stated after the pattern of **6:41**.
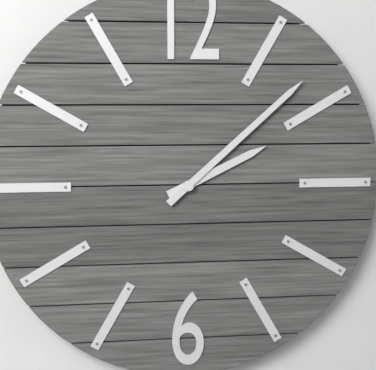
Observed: **2:08**
